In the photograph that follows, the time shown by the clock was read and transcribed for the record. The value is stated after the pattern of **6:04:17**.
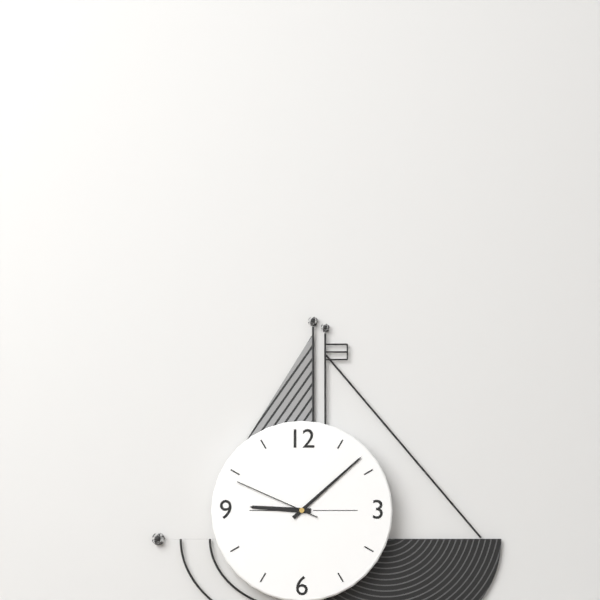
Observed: **9:08:49**
